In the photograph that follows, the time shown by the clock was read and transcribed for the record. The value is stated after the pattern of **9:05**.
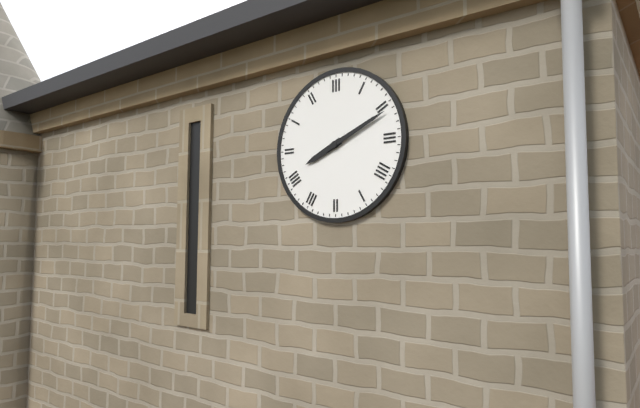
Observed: **8:11**
